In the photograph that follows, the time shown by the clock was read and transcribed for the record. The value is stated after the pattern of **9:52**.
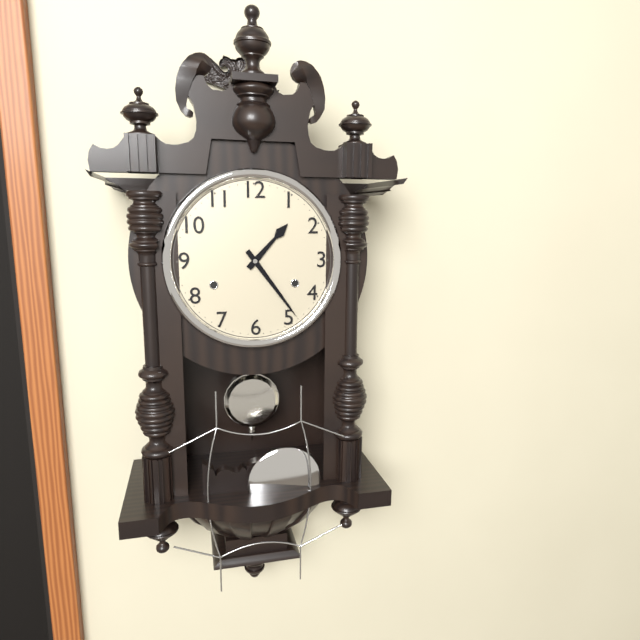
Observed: **1:24**
